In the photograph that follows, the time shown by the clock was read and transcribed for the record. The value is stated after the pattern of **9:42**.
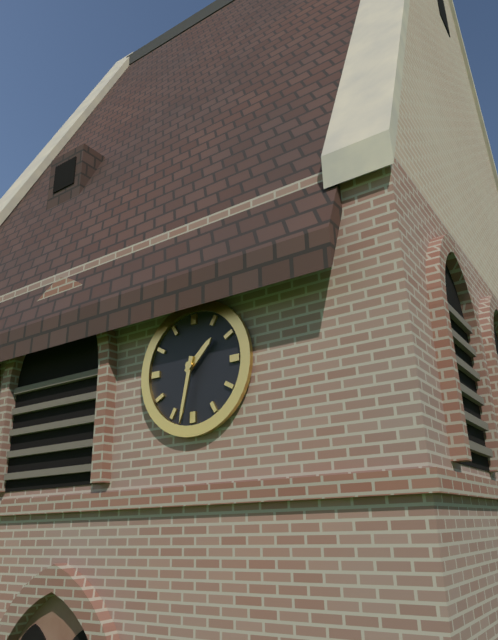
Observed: **1:32**
